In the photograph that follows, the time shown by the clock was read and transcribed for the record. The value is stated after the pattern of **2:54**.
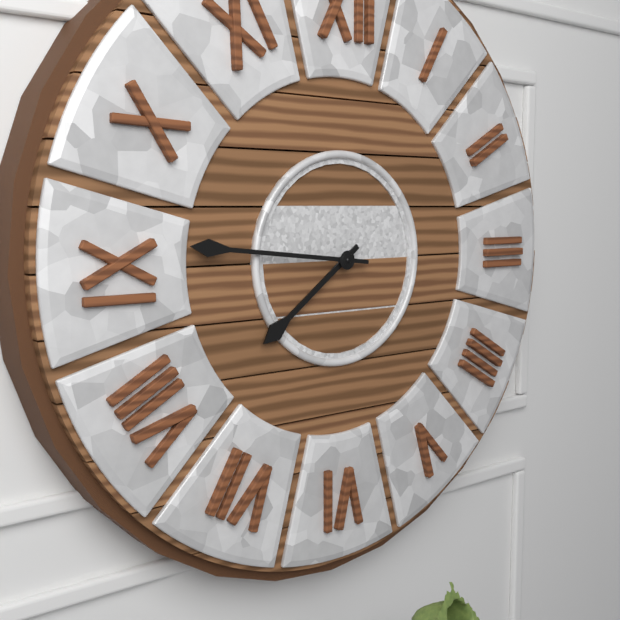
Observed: **7:46**
